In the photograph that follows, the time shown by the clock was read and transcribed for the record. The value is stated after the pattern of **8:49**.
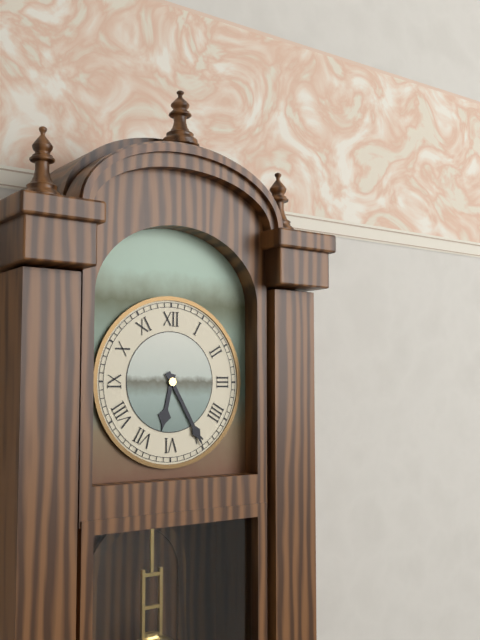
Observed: **6:25**
